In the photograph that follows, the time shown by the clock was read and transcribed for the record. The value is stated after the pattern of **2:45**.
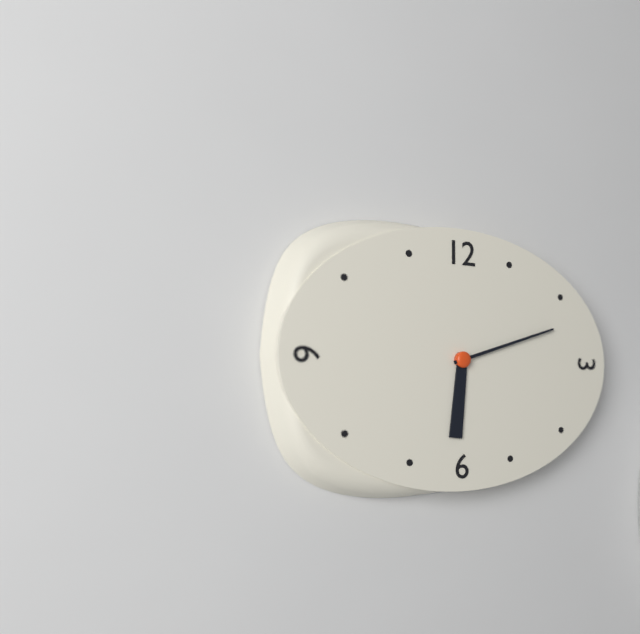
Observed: **6:12**
